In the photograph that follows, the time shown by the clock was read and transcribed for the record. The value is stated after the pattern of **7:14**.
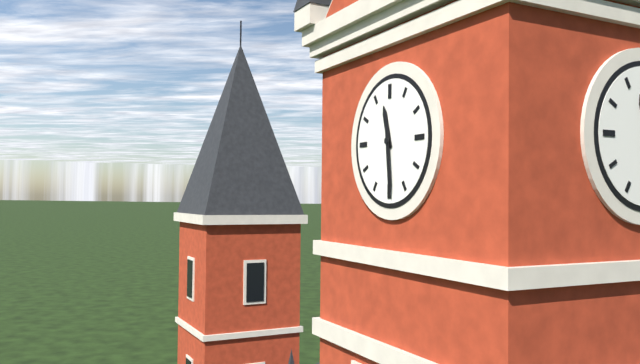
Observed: **11:29**
